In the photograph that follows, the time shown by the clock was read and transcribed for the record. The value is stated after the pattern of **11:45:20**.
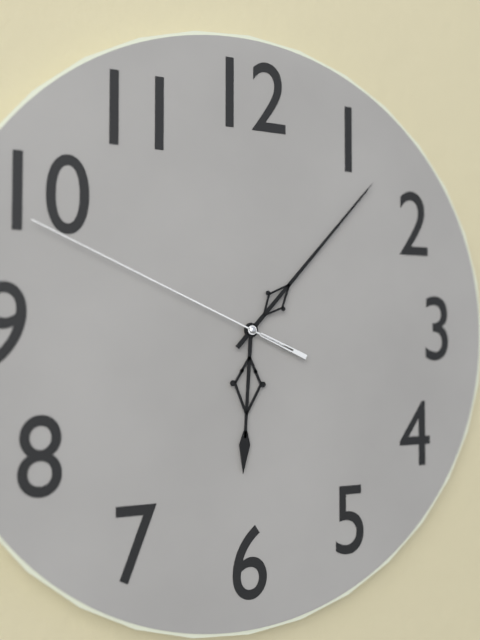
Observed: **6:07:49**
